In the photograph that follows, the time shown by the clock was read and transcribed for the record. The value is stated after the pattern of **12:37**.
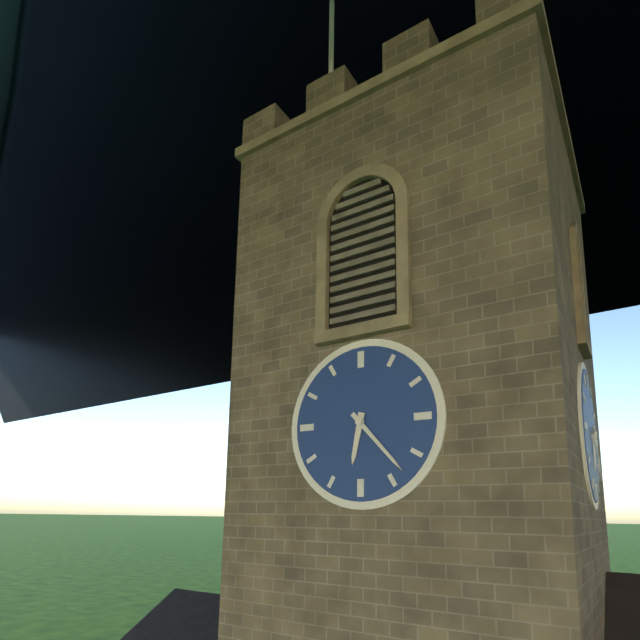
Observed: **6:23**
